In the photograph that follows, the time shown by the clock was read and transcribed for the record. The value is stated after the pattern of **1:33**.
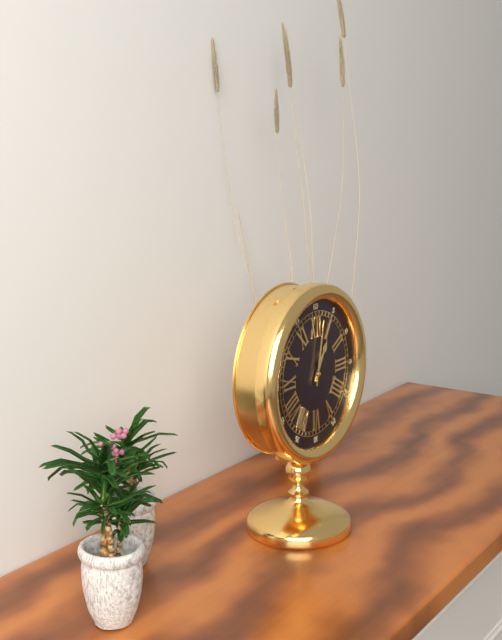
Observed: **1:02**
